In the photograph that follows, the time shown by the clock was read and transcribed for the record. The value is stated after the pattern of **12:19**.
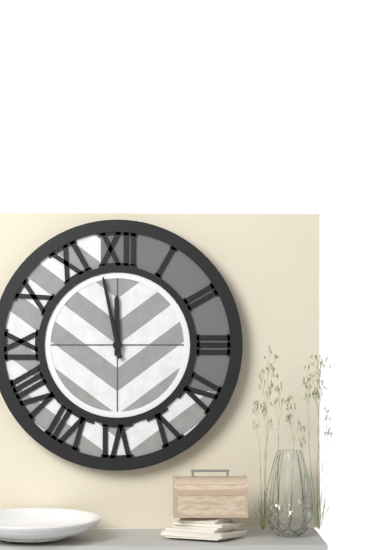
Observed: **11:58**
